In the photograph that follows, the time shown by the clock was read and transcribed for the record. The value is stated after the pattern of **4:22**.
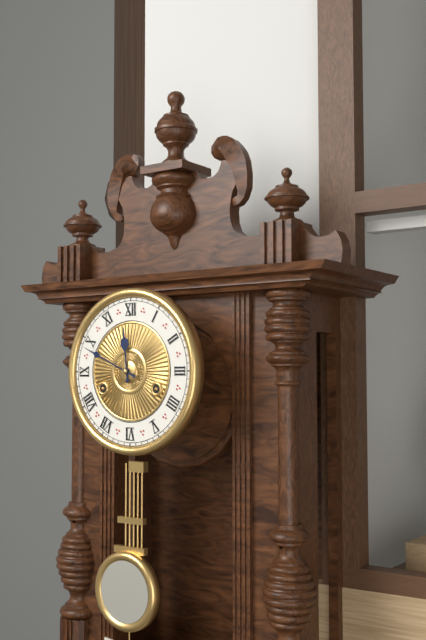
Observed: **11:49**
